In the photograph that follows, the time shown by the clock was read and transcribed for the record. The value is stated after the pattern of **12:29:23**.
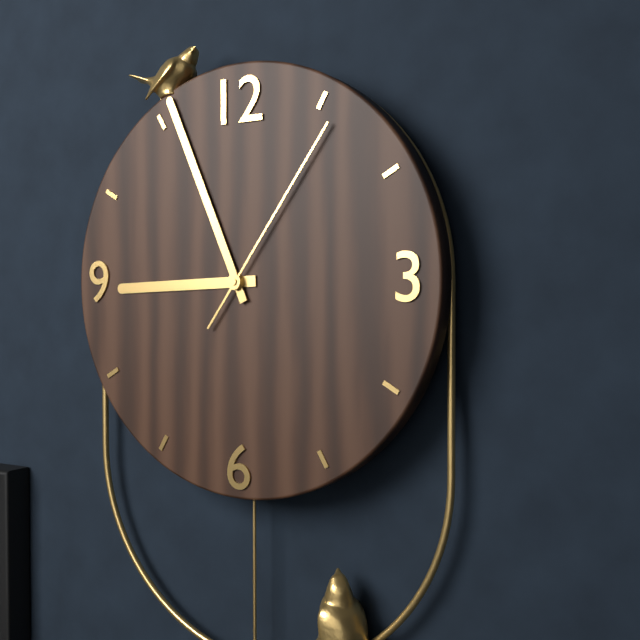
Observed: **8:56:06**
